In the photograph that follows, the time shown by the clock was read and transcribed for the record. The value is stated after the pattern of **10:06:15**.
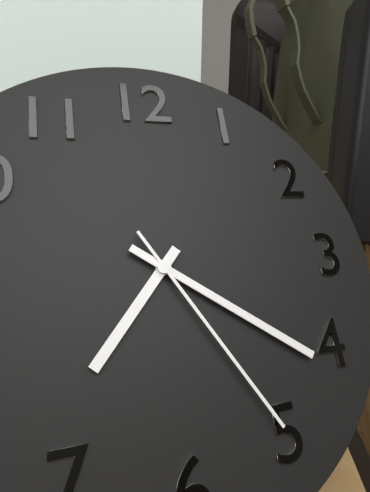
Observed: **7:21:25**
